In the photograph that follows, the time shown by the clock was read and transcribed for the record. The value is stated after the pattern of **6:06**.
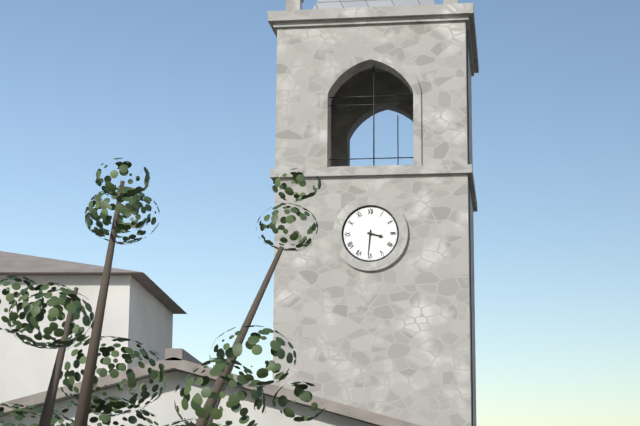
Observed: **3:31**
